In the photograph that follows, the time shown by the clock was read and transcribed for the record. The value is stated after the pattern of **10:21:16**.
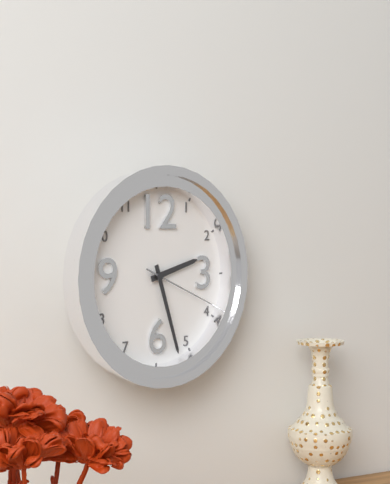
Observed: **2:27:19**
